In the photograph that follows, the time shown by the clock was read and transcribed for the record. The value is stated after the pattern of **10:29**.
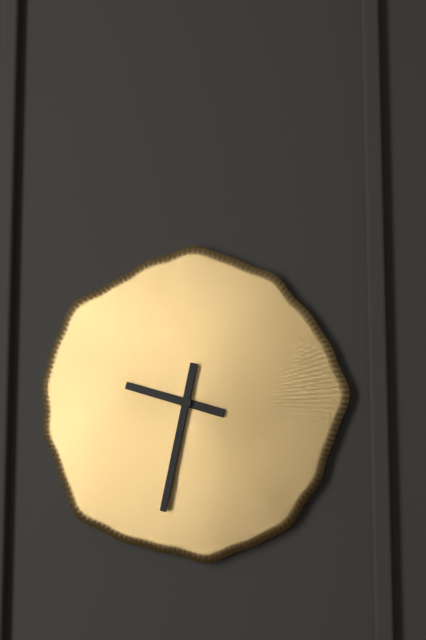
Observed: **9:32**
